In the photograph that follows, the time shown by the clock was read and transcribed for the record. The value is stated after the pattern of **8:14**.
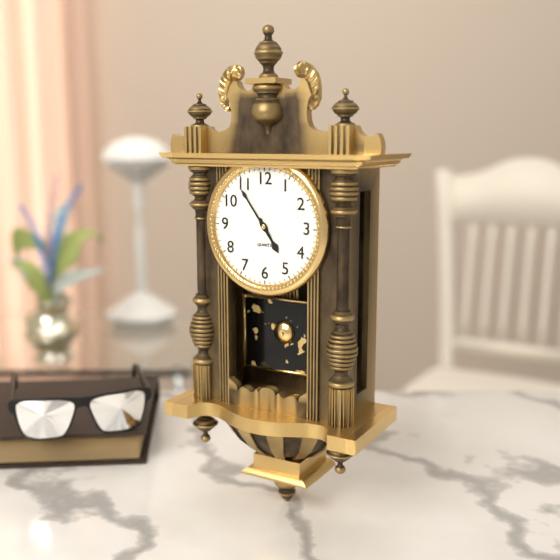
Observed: **4:54**
